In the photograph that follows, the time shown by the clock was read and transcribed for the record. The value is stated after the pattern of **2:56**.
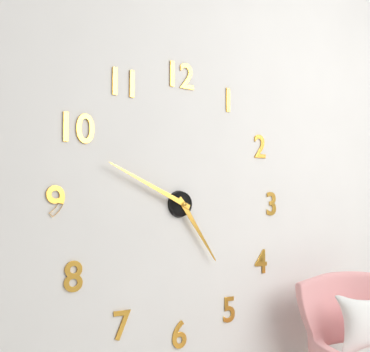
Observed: **4:49**
